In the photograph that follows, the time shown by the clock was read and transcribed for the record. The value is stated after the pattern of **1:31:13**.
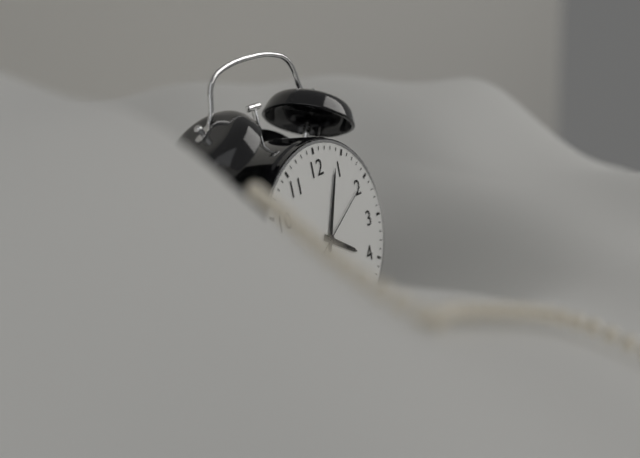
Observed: **4:04:10**
